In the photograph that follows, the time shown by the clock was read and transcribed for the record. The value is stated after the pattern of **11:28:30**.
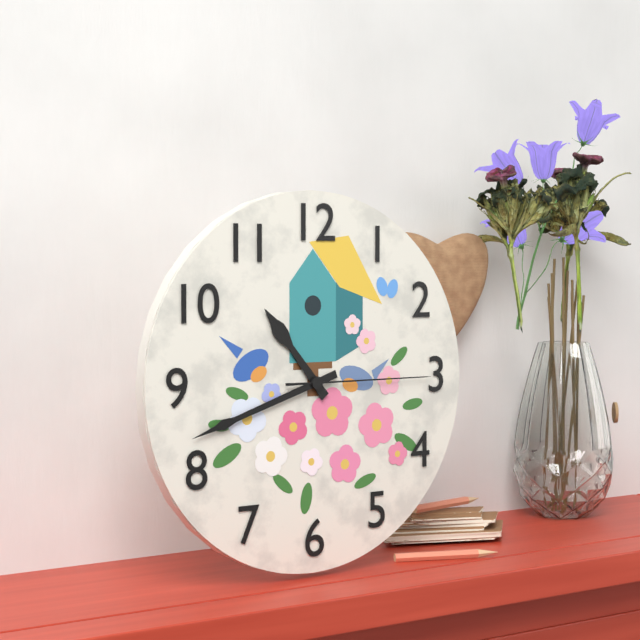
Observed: **10:42:15**
